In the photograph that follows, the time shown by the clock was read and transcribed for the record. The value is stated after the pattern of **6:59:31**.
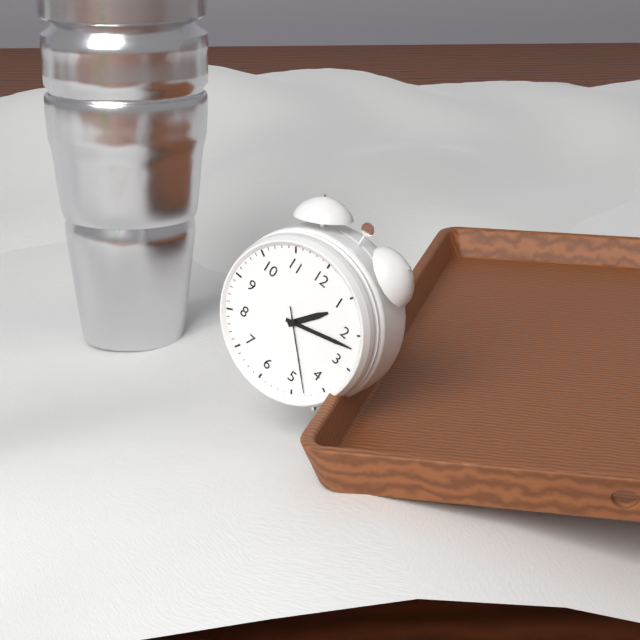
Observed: **1:12:23**
